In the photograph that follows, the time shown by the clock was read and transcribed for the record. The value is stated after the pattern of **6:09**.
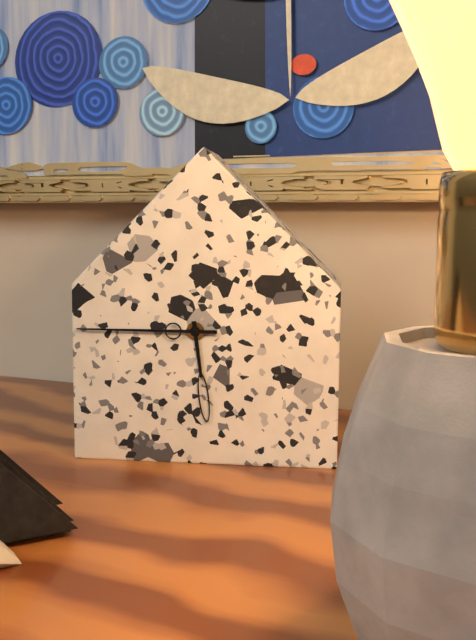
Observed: **5:45**
